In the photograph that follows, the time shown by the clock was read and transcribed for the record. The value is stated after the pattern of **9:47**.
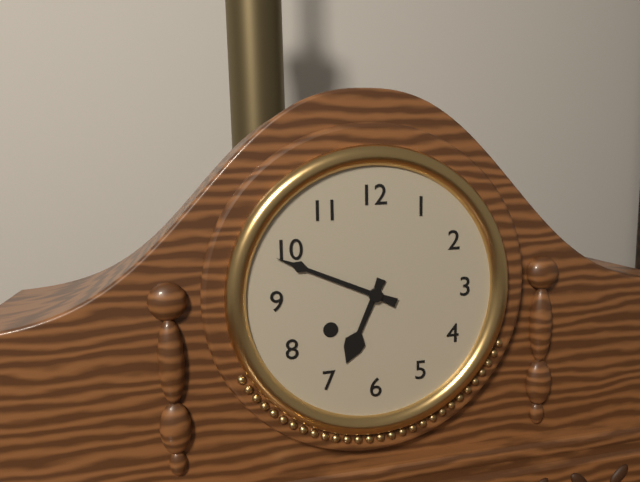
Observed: **6:49**
